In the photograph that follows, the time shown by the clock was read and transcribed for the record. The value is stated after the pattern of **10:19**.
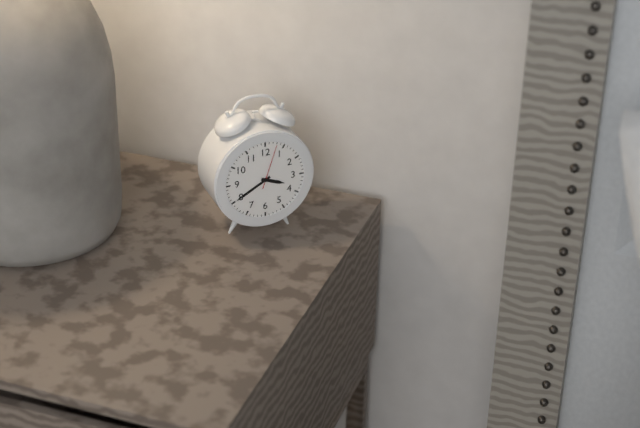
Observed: **3:40**
